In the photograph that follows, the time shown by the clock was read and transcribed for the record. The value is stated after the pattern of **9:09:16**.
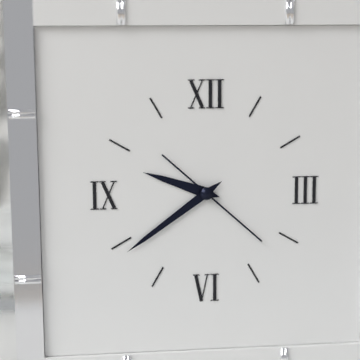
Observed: **9:39:22**
